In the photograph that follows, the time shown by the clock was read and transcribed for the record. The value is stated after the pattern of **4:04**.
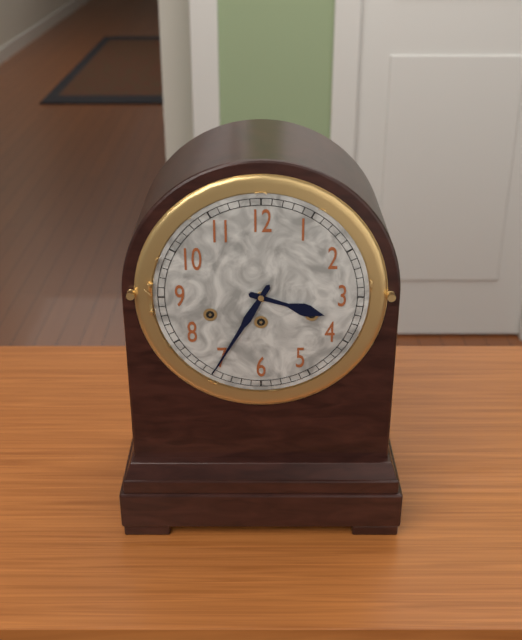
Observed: **3:35**
